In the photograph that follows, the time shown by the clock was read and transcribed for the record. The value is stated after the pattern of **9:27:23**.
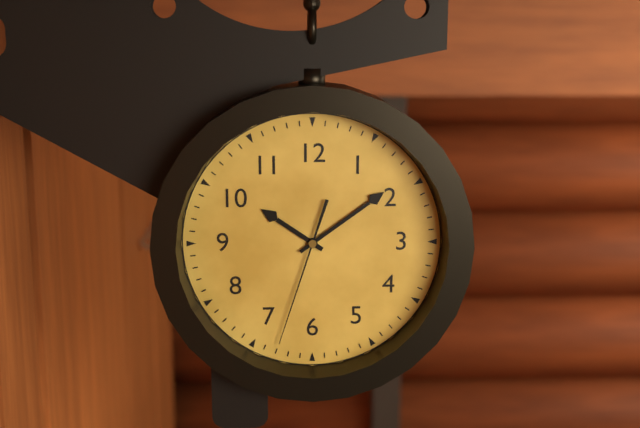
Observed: **10:09:33**
